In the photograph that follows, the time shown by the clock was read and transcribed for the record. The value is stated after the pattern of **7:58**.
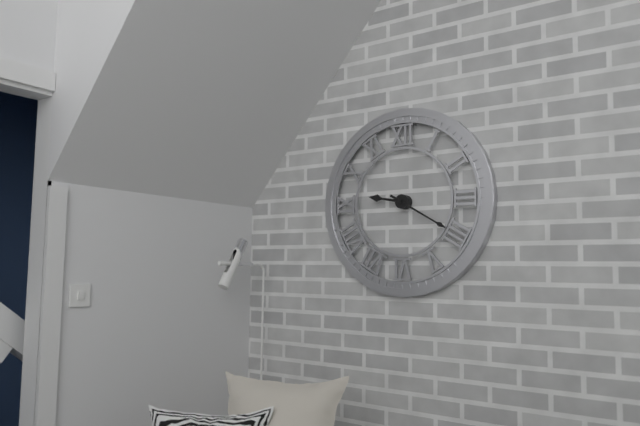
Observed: **9:20**
